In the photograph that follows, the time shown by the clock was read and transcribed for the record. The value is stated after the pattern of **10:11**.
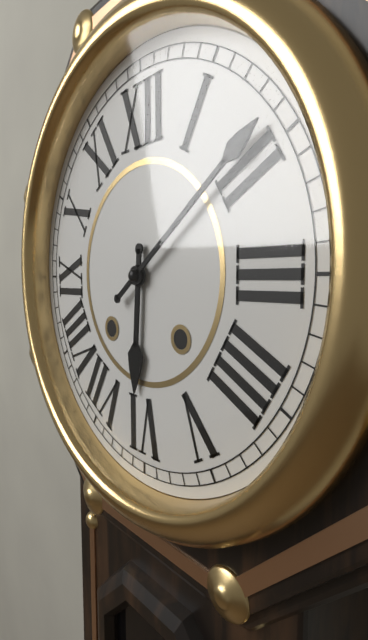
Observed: **6:09**
